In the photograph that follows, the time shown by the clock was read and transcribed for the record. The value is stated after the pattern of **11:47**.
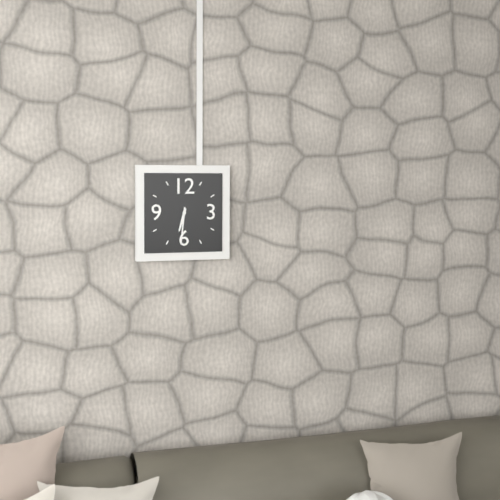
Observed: **6:31**
